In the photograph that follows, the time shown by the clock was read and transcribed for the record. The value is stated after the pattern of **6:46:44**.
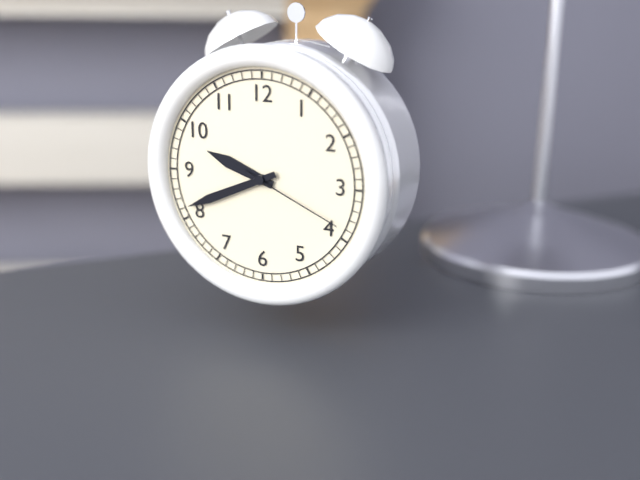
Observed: **9:41:19**
